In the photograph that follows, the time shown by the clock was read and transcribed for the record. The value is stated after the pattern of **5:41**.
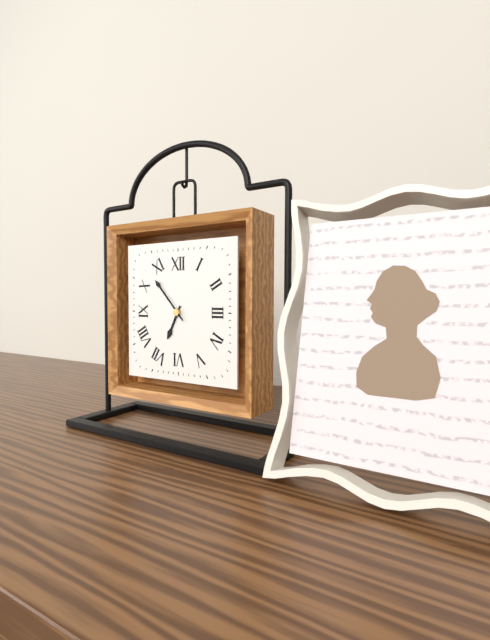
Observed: **6:53**
